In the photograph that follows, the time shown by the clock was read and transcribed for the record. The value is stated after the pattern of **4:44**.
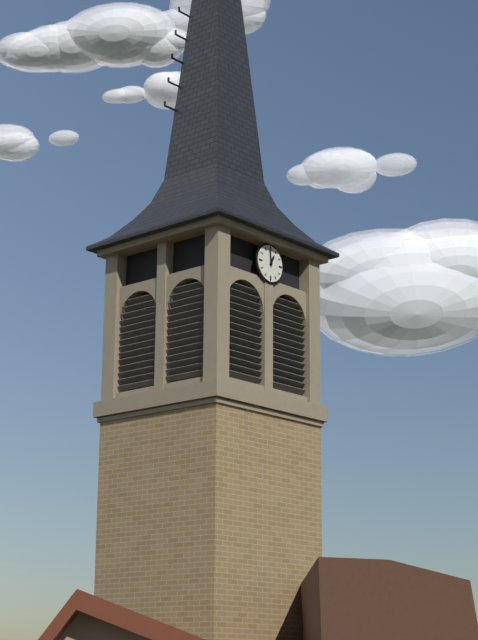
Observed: **12:59**
